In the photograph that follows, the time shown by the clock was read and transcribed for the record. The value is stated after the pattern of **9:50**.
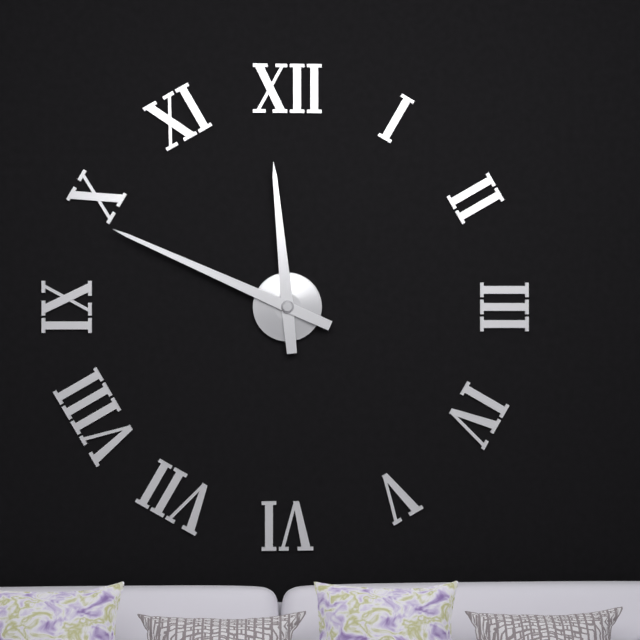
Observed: **11:49**
